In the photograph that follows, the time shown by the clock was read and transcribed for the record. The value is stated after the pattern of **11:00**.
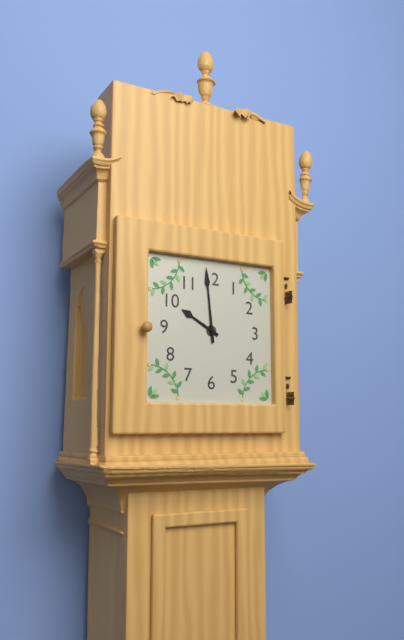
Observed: **9:59**
